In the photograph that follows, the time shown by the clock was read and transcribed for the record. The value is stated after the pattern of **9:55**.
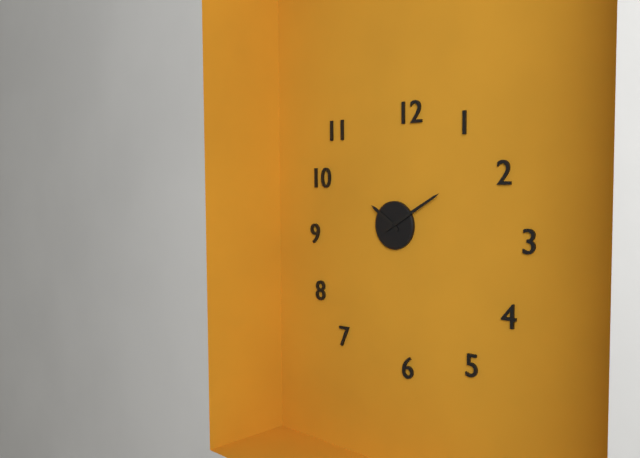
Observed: **10:10**
